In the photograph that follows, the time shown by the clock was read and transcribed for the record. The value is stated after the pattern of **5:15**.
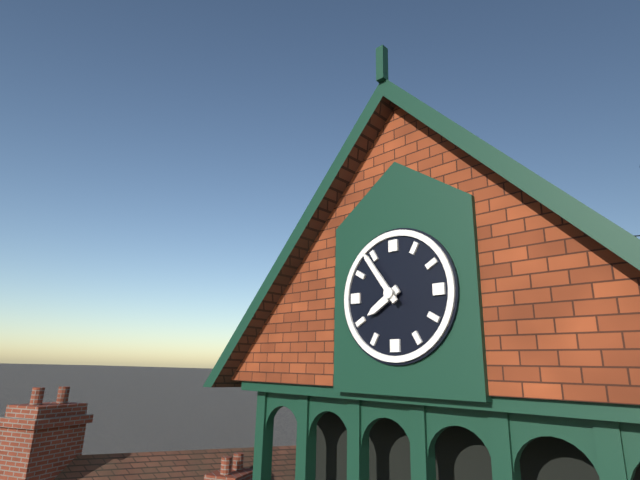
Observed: **7:54**
